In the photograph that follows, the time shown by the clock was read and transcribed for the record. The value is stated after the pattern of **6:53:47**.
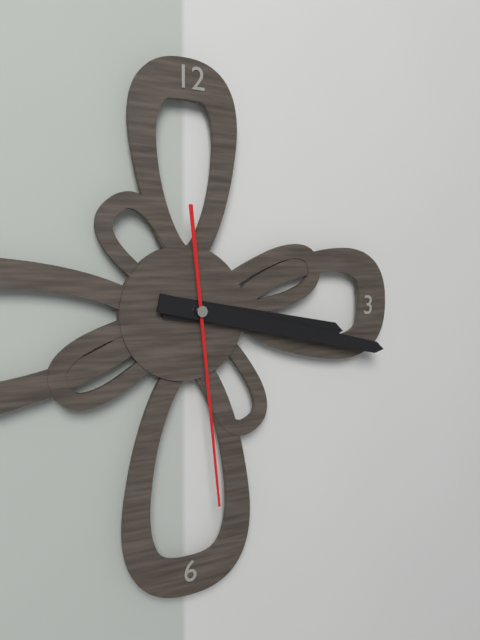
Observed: **3:17:29**
